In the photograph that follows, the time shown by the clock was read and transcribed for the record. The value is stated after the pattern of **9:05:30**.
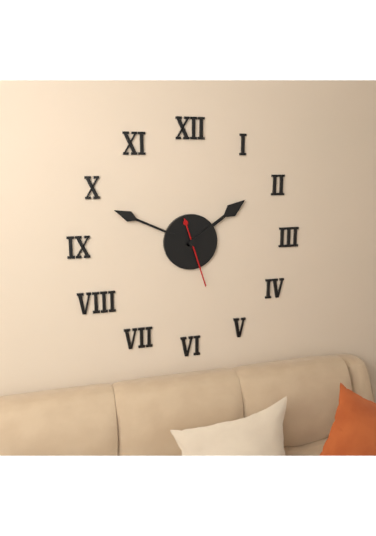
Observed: **1:49:27**
